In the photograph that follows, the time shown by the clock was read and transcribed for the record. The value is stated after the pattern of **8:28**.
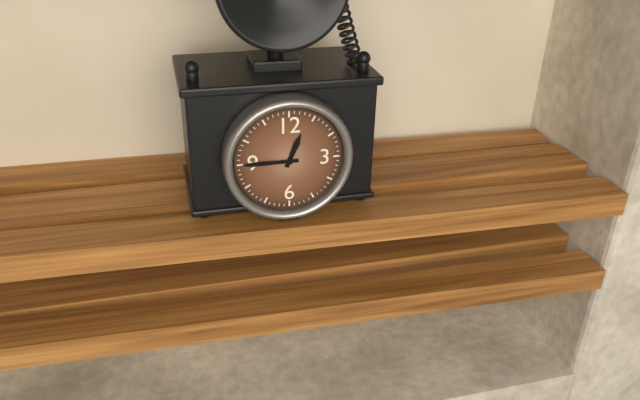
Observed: **12:45**
